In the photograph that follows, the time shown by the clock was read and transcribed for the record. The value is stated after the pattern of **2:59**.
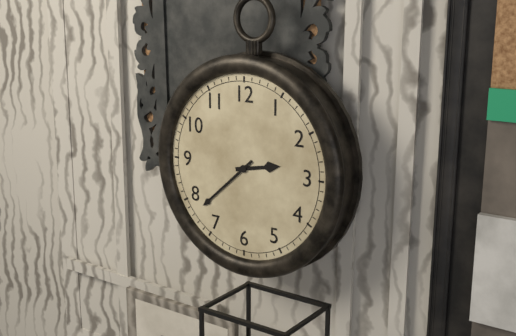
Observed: **2:38**
